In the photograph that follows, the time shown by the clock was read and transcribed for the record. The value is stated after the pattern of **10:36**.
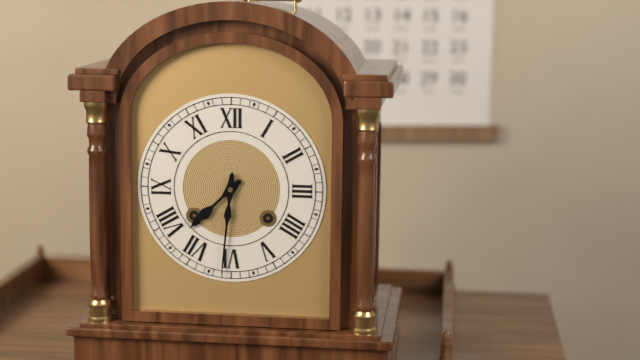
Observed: **7:31**
